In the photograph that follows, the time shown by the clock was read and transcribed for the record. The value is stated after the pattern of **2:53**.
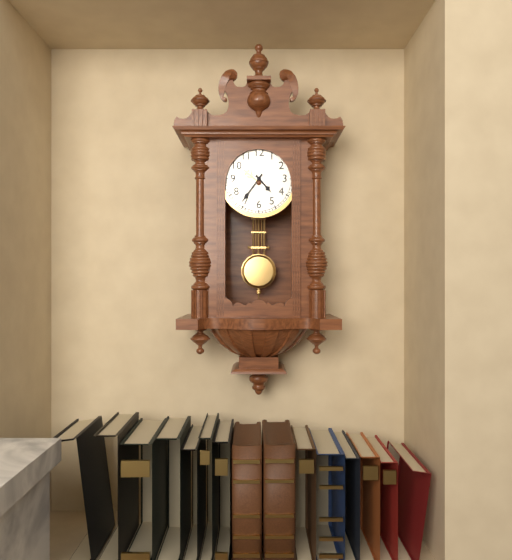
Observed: **4:36**
